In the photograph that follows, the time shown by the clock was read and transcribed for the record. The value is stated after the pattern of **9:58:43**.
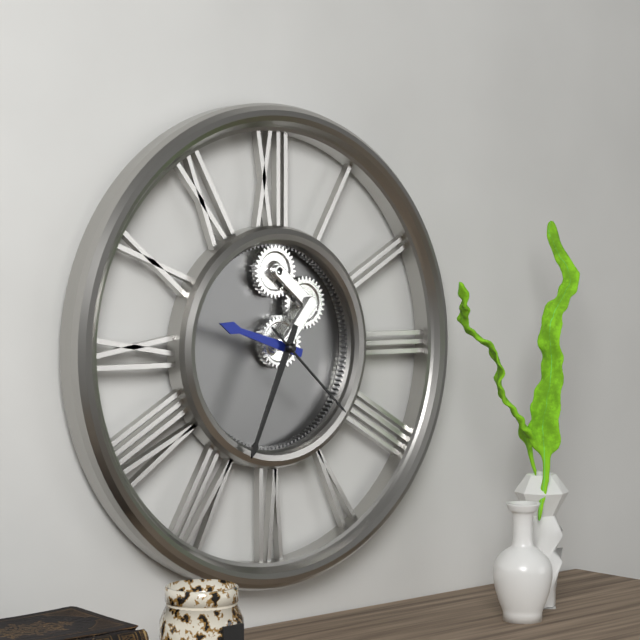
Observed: **9:34:22**
